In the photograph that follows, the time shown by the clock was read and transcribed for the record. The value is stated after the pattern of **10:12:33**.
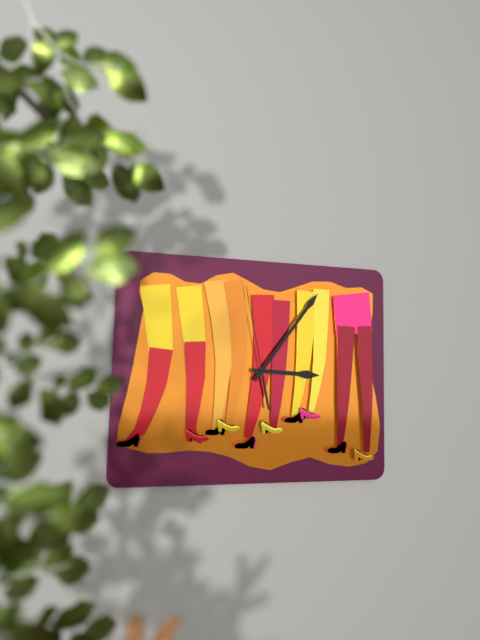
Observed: **3:06:58**
